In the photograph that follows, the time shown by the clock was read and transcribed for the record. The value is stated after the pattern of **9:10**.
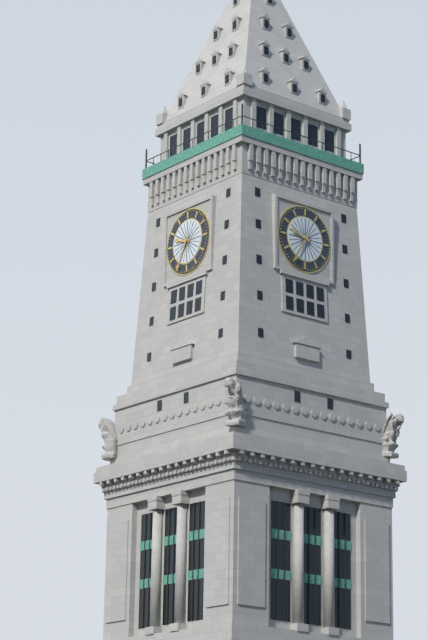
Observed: **9:35**
